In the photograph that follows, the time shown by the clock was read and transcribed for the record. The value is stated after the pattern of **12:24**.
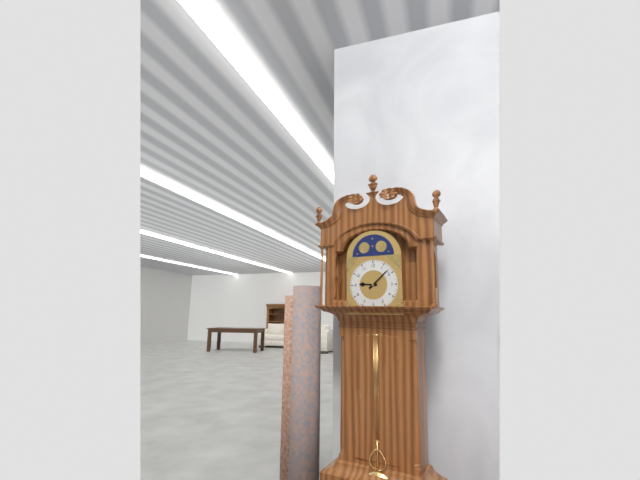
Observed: **9:08**
